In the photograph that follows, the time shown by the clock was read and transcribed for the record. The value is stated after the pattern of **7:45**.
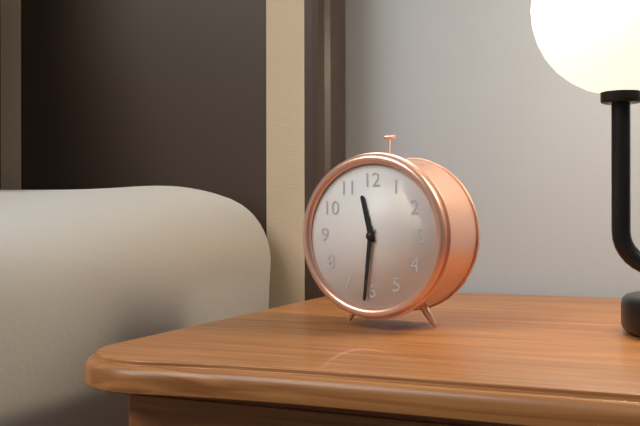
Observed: **11:31**
